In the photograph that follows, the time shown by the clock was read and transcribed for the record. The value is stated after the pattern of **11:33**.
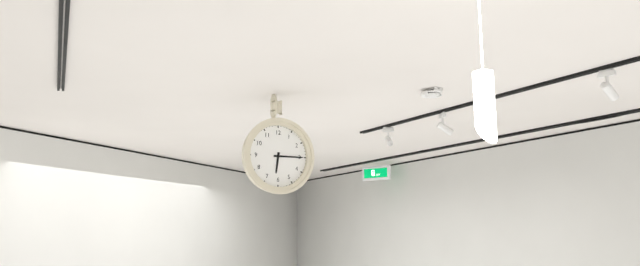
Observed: **6:15**
